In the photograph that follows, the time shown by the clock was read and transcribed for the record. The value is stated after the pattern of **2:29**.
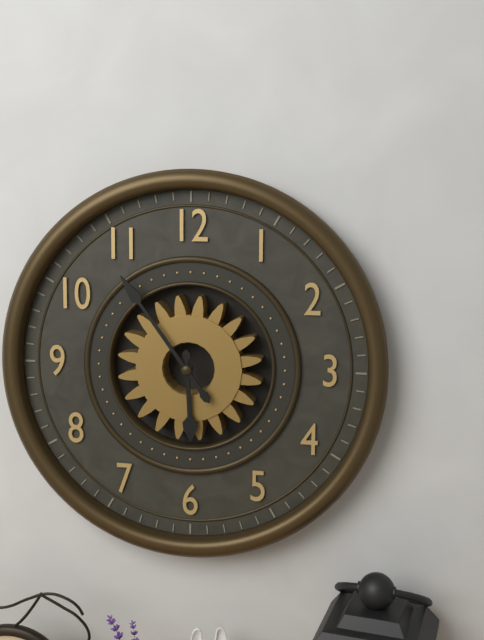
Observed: **5:54**
